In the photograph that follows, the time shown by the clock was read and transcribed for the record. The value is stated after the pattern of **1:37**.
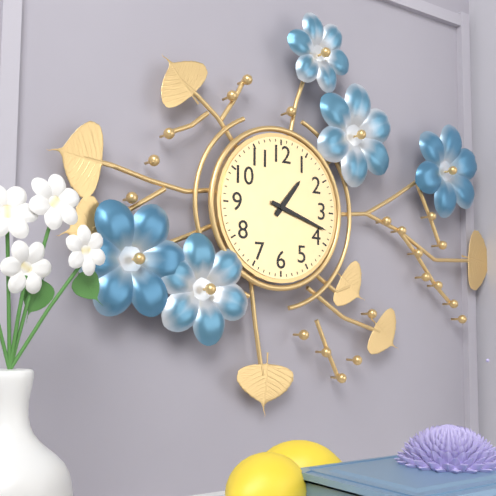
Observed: **1:18**
